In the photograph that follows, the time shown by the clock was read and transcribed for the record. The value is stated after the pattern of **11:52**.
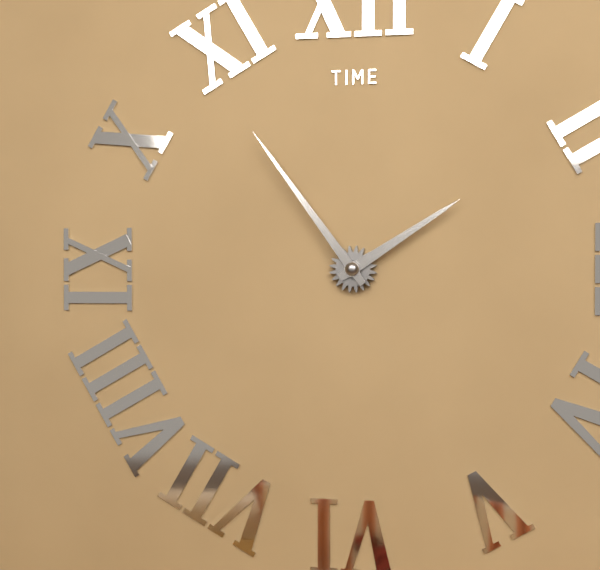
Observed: **1:54**
